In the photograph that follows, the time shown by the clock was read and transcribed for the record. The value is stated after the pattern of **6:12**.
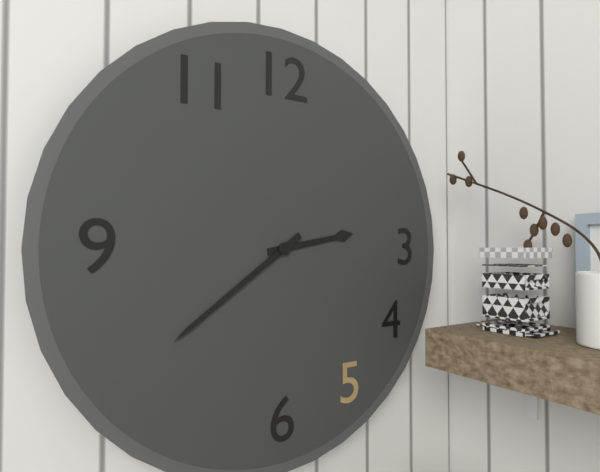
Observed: **2:39**
